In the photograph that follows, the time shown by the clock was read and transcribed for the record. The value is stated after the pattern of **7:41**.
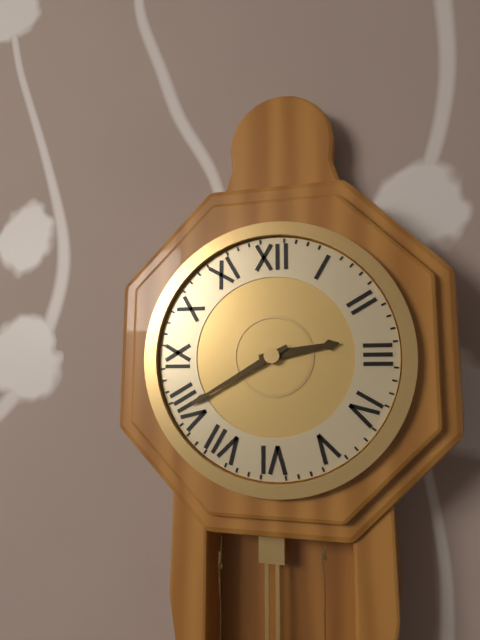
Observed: **2:40**
